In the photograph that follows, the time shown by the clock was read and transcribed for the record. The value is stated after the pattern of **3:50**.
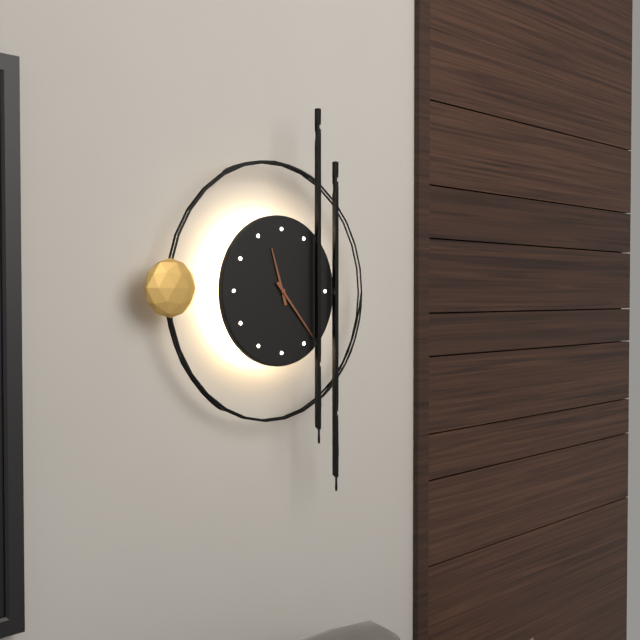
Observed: **11:23**
